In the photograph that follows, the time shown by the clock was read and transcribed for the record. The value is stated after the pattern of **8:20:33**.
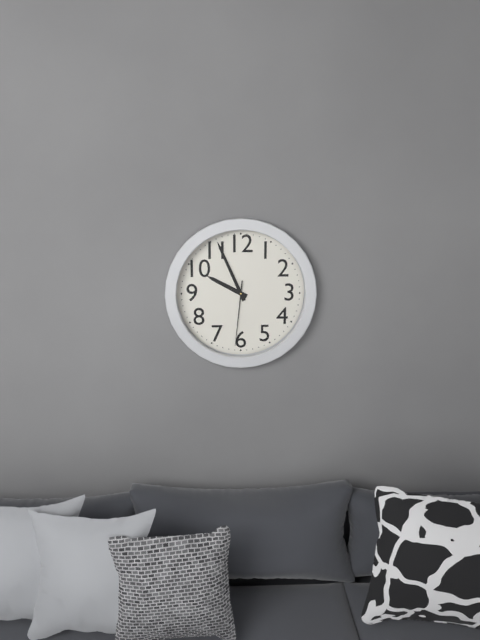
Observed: **9:56:31**
